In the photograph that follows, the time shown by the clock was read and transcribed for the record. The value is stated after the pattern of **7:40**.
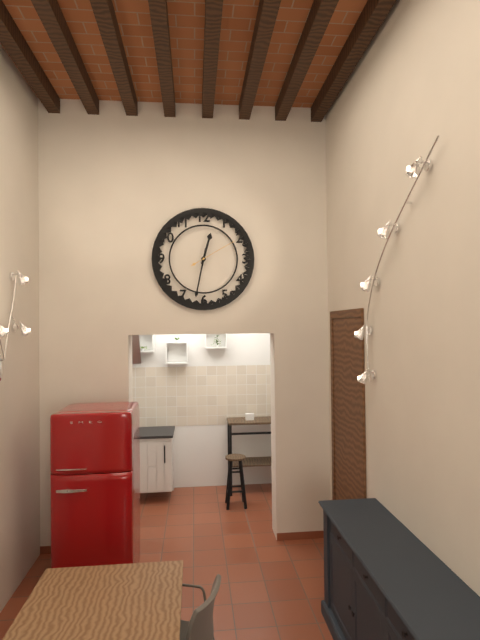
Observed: **12:32**
